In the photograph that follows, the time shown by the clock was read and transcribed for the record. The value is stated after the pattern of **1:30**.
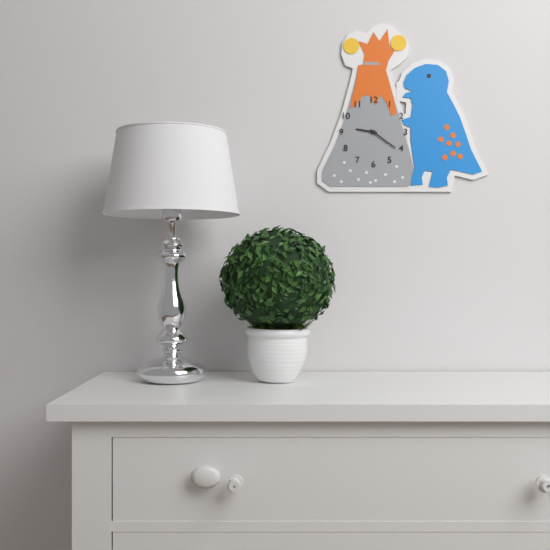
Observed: **9:21**
